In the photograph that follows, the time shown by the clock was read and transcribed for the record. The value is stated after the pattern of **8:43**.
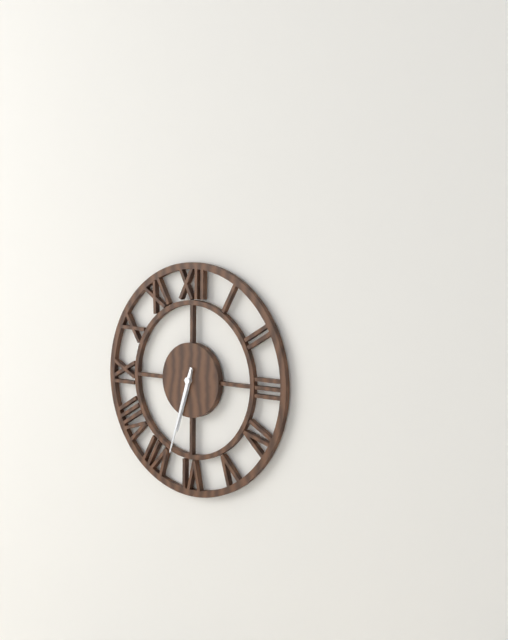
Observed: **6:33**
